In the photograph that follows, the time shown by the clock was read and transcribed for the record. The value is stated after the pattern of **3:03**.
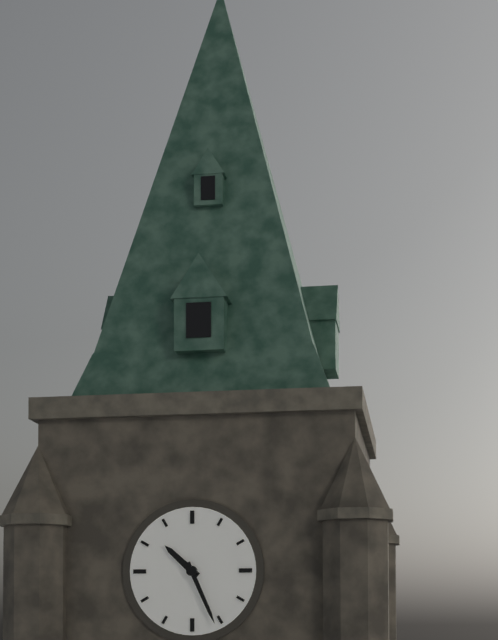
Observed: **10:26**
